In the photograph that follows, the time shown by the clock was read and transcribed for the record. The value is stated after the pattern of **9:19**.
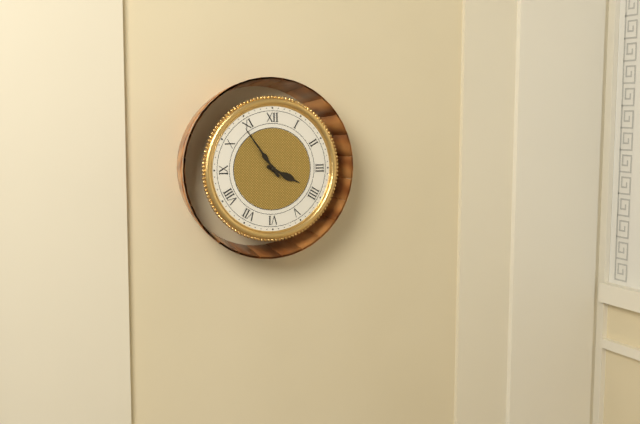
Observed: **3:54**
